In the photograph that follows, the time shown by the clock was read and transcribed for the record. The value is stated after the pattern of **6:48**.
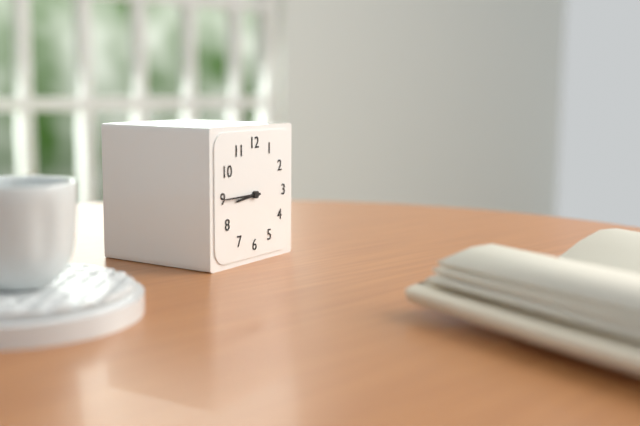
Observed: **8:45**
